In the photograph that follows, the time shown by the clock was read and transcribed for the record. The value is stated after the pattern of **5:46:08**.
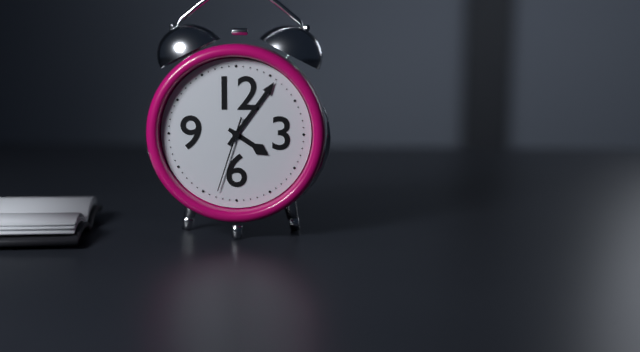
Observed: **4:06:33**
